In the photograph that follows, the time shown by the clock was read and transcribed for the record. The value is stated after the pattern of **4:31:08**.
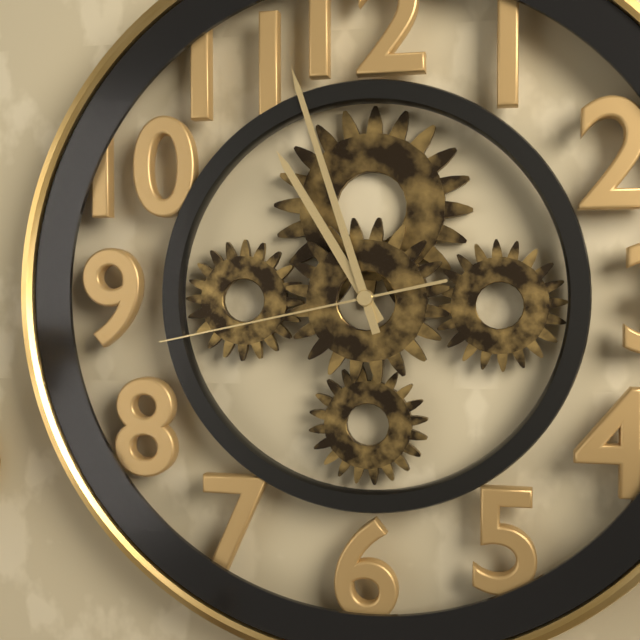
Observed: **10:57:43**
